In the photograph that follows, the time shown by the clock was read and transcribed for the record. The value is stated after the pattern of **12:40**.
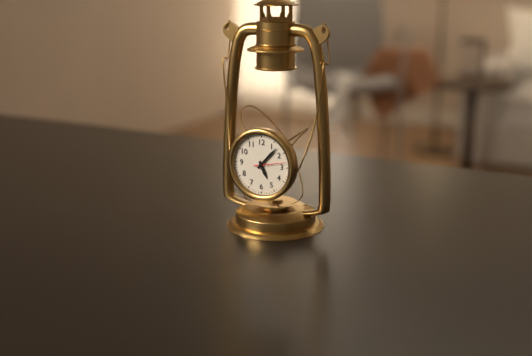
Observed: **5:07**
